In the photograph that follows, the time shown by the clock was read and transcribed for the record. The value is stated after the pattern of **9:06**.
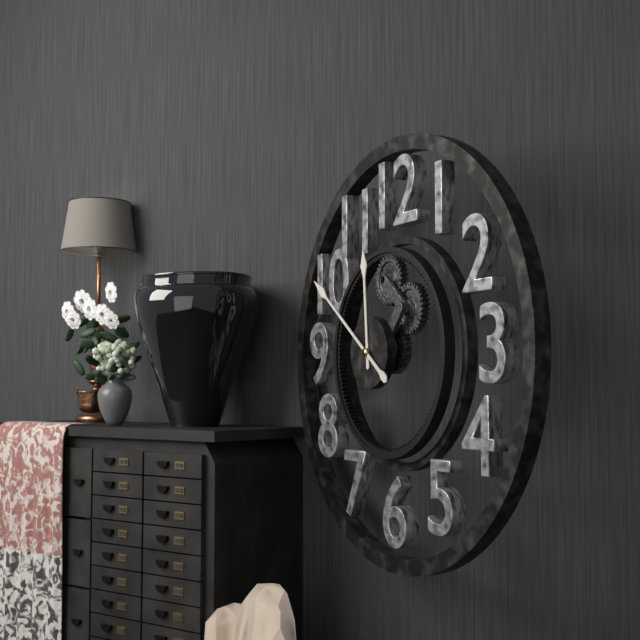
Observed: **11:51**
